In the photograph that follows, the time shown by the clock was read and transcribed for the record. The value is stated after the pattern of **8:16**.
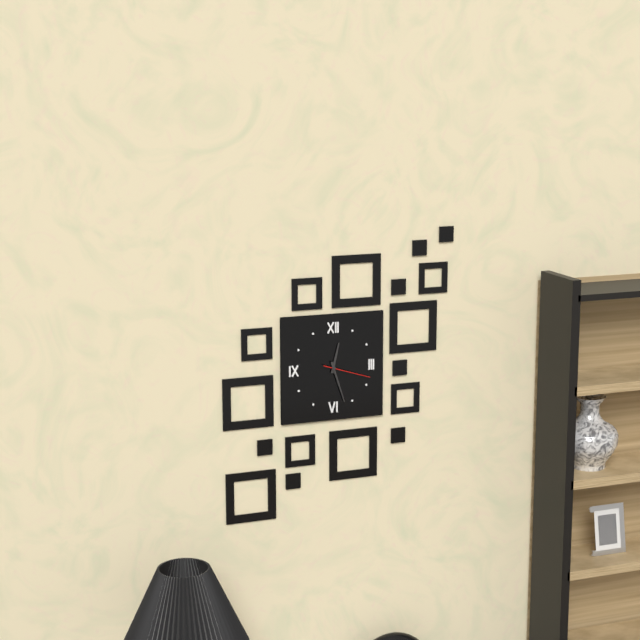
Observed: **12:27**
